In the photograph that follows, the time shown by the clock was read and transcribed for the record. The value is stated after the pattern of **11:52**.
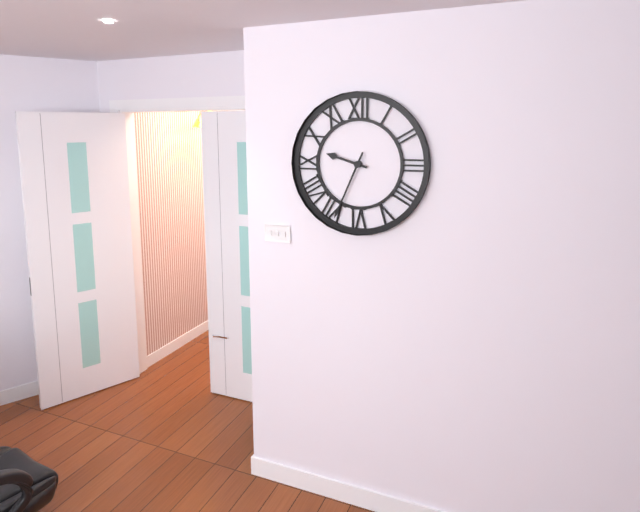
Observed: **9:34**
